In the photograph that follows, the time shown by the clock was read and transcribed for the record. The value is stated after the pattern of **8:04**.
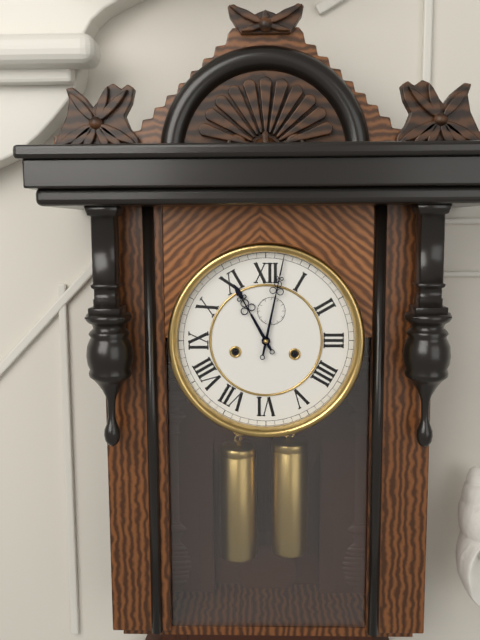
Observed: **11:02**
